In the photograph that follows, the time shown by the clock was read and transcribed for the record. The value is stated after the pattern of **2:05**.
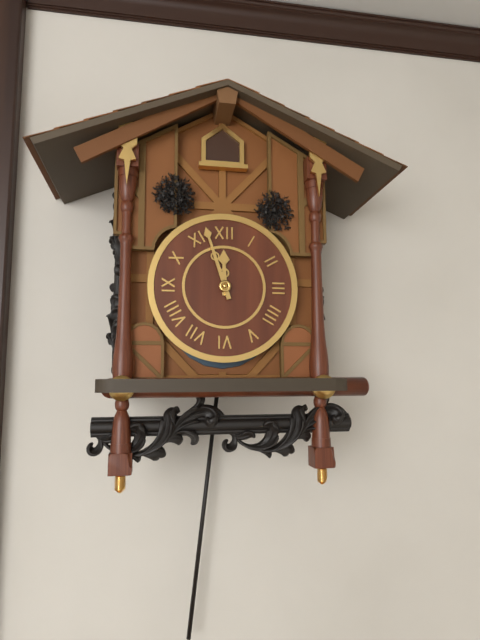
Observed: **11:57**
